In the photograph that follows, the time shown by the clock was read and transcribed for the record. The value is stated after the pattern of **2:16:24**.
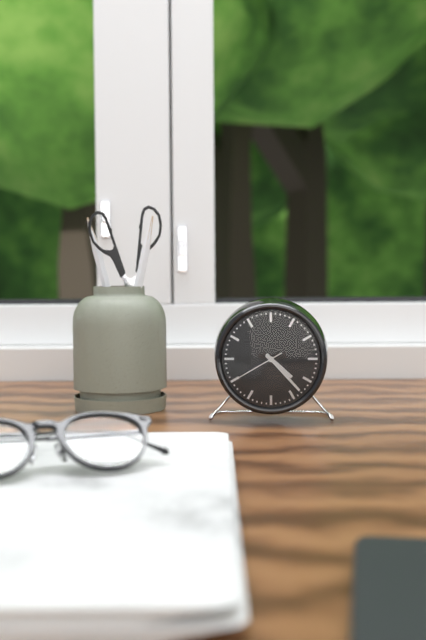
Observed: **4:23:40**
